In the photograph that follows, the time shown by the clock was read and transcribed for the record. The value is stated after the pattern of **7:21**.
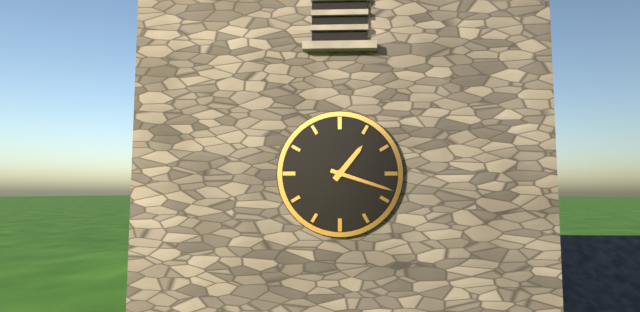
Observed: **1:18**
